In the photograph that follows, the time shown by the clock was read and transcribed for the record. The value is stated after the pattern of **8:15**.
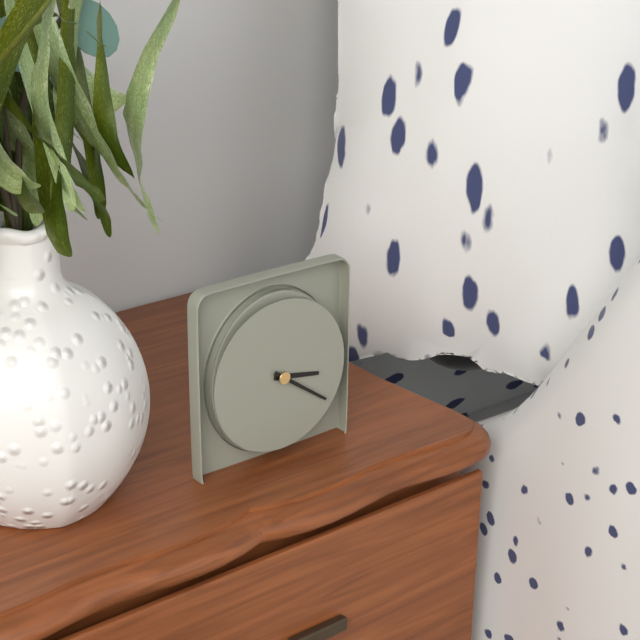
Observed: **3:21**
